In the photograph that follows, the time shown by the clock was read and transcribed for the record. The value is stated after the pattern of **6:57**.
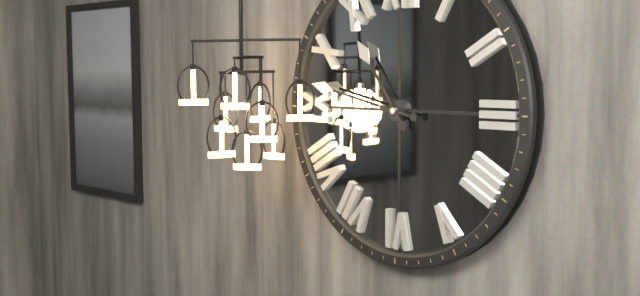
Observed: **10:47**
